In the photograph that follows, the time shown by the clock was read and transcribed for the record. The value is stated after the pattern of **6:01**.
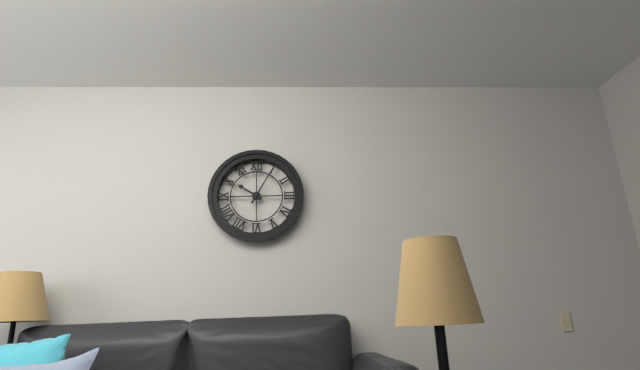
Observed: **10:05**
